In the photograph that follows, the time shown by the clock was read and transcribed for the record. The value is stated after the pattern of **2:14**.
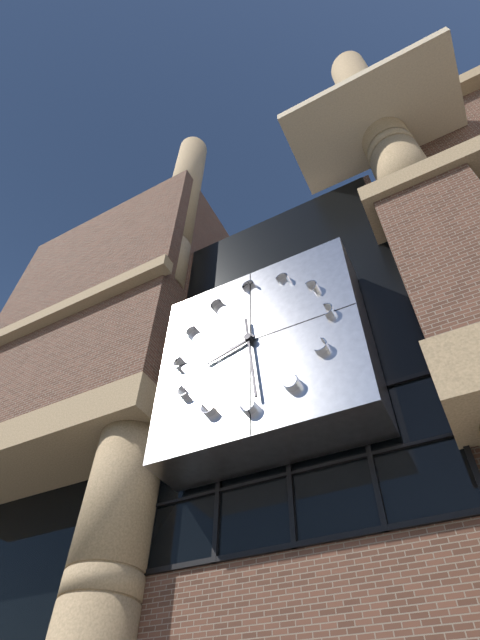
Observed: **8:29**
